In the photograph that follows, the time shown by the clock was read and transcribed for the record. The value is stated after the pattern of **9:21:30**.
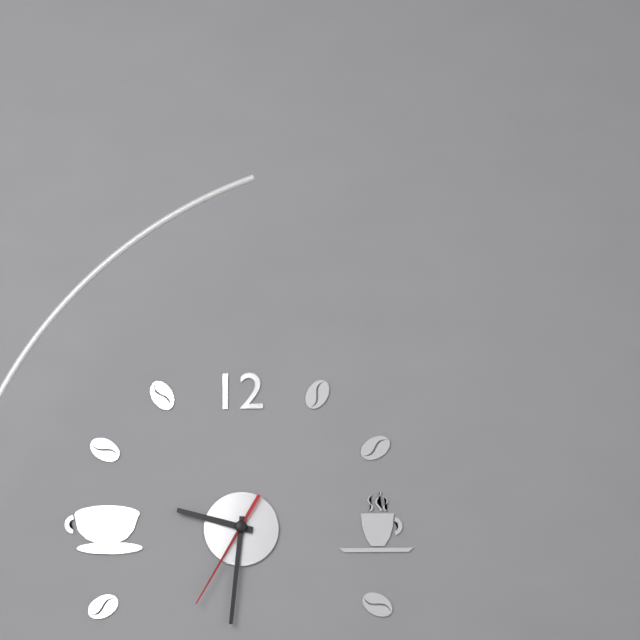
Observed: **9:31:35**
